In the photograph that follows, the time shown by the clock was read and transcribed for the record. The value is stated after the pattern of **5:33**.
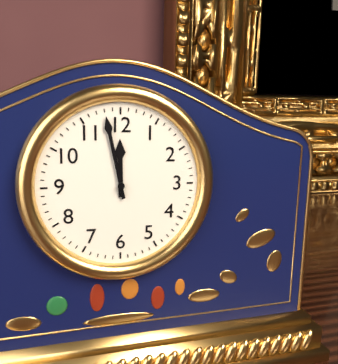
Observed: **11:58**
